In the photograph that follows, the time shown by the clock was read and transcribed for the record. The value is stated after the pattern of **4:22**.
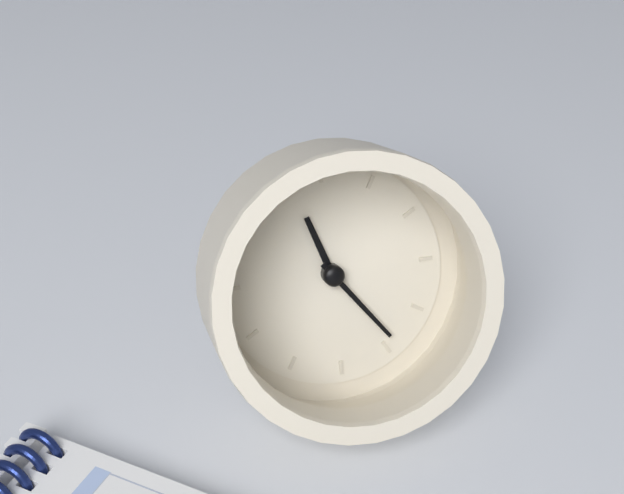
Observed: **11:24**
